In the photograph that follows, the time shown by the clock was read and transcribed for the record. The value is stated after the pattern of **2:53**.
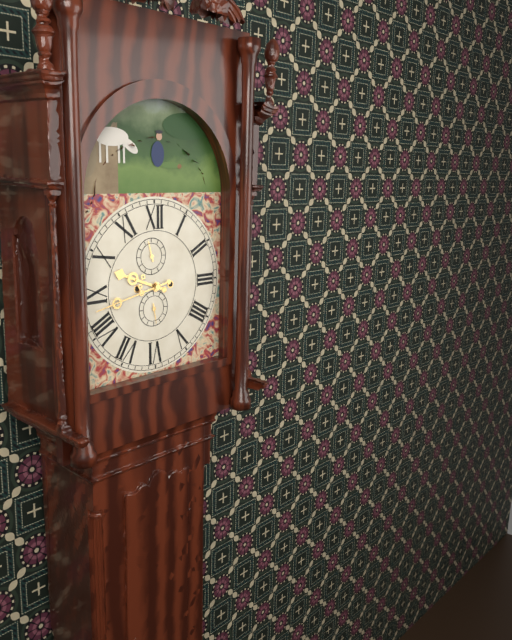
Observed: **9:43**
